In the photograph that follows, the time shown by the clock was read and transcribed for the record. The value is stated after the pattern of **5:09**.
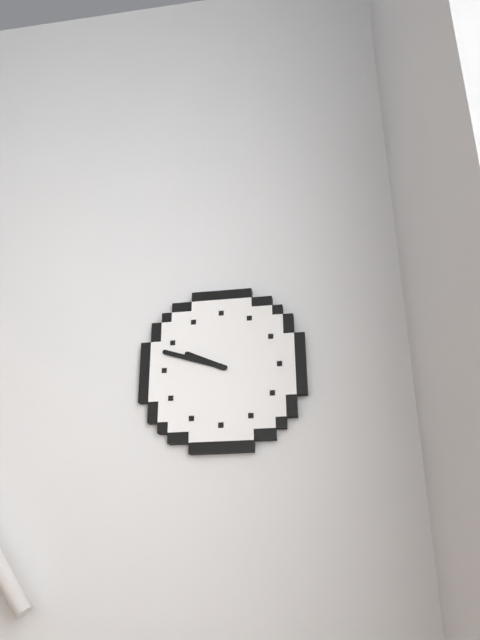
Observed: **9:48**
